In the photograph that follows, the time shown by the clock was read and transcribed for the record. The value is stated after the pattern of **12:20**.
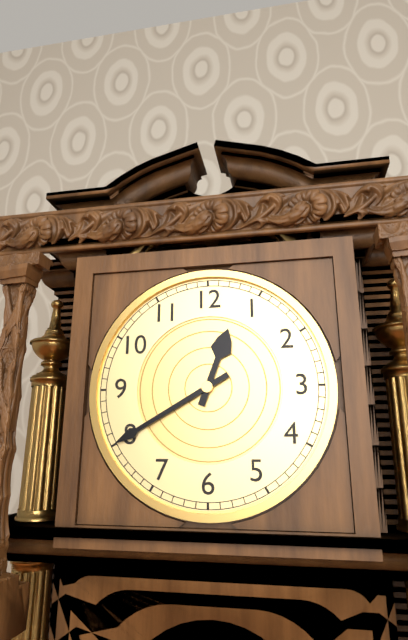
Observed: **12:40**
